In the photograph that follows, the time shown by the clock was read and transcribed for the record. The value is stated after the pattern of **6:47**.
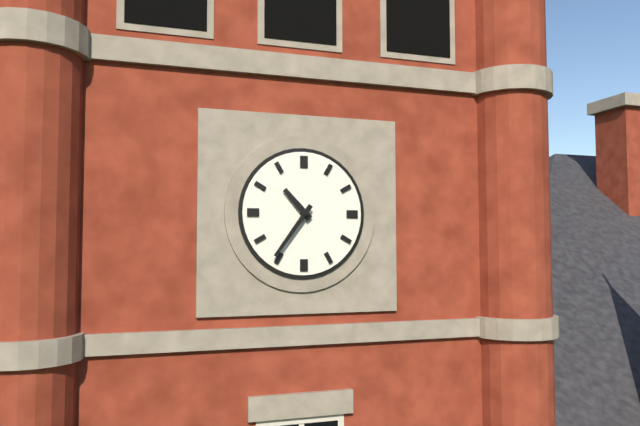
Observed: **10:36**
